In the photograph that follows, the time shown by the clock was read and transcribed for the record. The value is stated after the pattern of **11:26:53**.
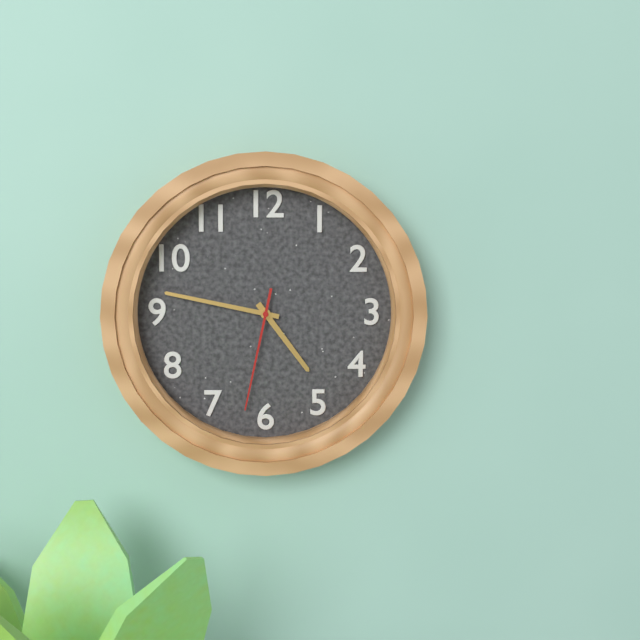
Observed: **4:47:32**
